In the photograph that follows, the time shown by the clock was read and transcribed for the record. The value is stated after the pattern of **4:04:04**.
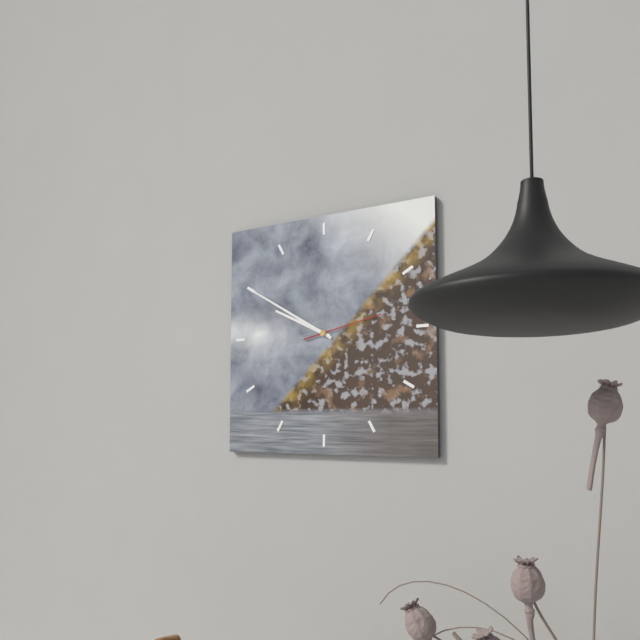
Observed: **9:50:13**
